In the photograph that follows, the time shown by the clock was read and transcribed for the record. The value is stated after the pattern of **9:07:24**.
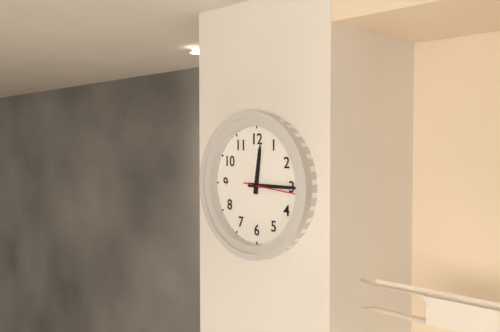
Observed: **12:15:16**
